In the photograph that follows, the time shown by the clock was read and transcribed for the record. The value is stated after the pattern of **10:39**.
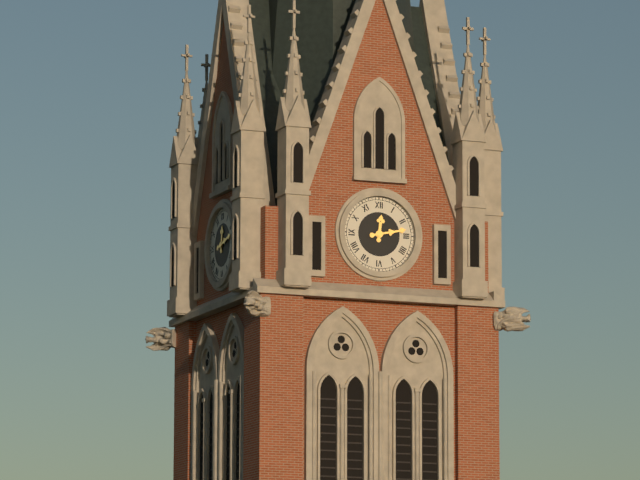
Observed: **12:13**
